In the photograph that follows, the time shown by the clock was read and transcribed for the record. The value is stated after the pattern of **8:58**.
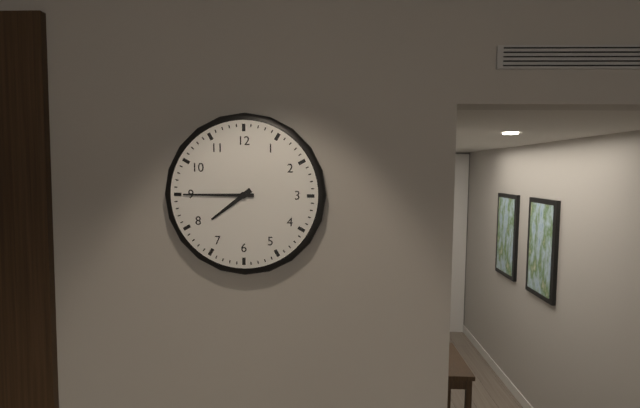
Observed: **7:45**
